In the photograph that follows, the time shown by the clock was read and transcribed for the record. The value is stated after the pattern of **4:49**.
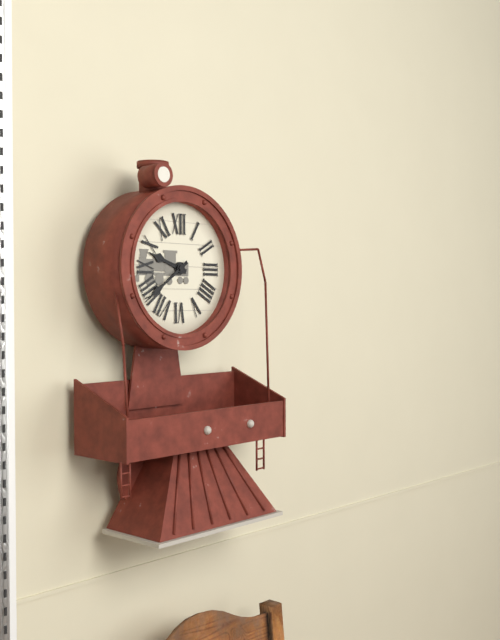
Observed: **9:39**
